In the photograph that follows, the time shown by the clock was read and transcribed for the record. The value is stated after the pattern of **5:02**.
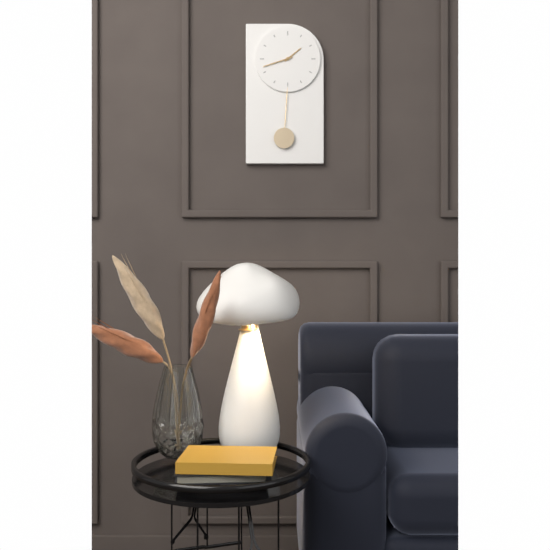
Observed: **1:42**
